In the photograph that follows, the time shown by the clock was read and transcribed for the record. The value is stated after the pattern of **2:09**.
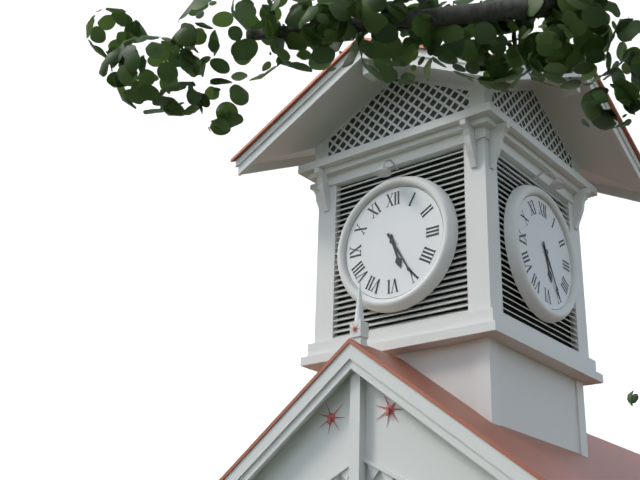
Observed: **5:25**
